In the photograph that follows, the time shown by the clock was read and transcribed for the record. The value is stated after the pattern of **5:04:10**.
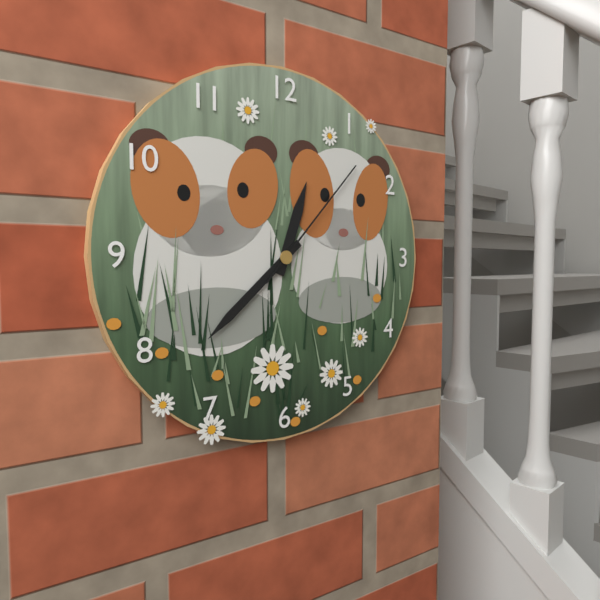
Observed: **12:38:07**
